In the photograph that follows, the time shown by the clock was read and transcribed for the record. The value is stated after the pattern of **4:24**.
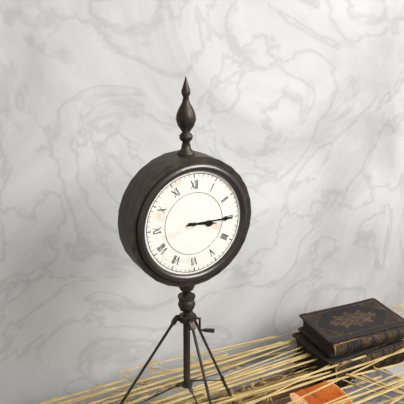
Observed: **3:15**
